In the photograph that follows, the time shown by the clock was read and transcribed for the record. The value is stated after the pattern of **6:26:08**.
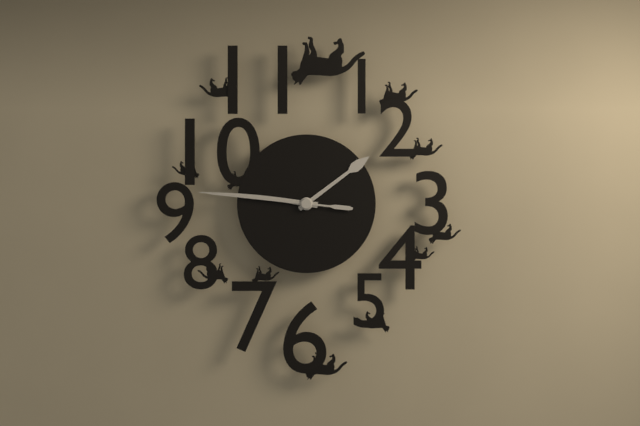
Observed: **1:46:46**
